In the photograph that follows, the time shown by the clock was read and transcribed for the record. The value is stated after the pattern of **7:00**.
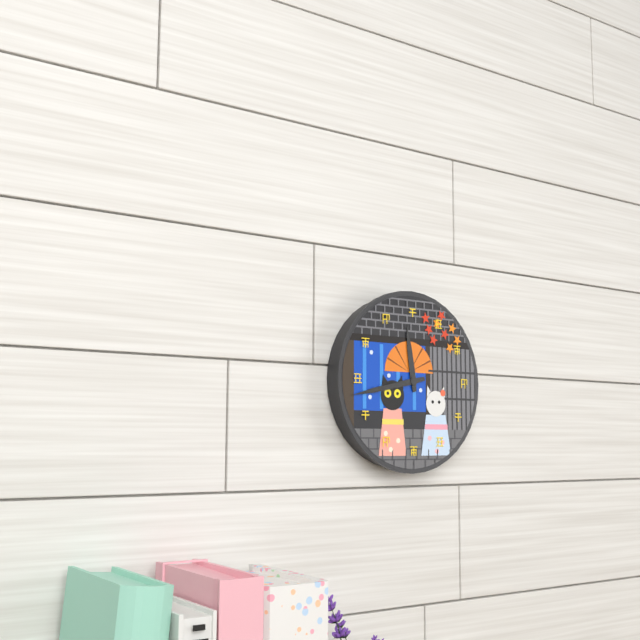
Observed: **11:43**
